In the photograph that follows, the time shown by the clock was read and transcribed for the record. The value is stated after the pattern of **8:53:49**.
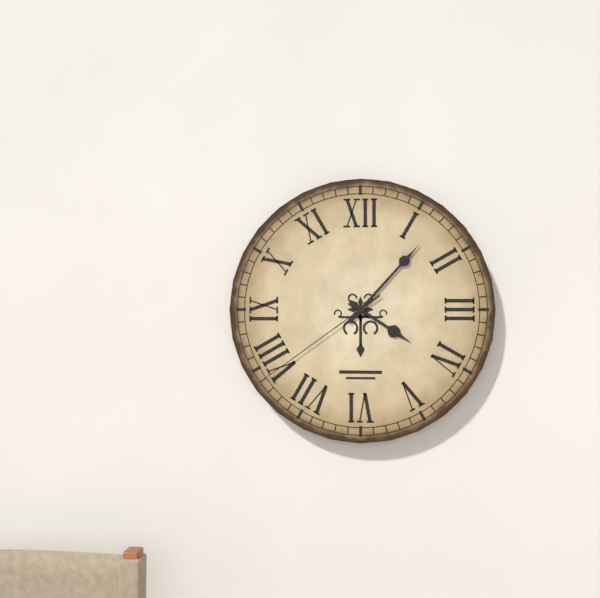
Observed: **4:07:39**
